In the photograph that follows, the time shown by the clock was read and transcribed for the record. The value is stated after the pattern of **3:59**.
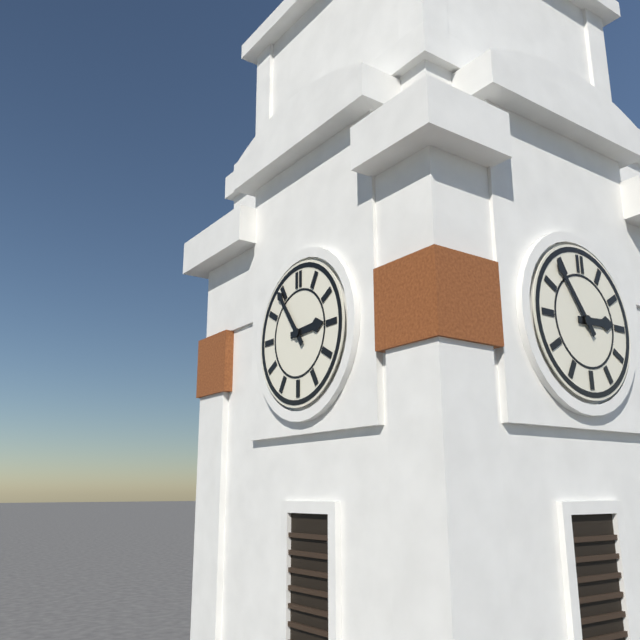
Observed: **2:54**
